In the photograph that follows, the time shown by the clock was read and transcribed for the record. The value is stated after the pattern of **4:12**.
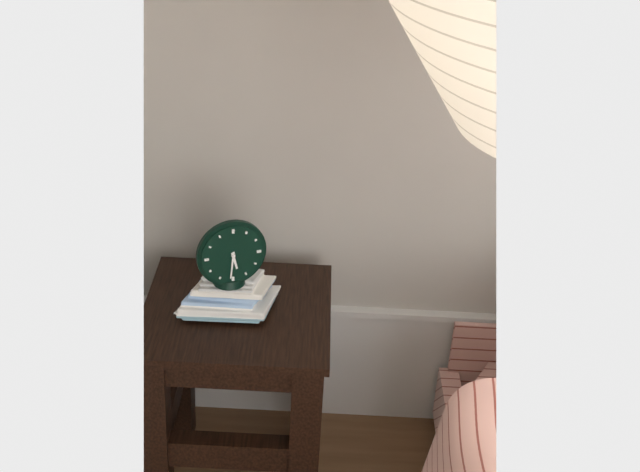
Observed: **5:31**
